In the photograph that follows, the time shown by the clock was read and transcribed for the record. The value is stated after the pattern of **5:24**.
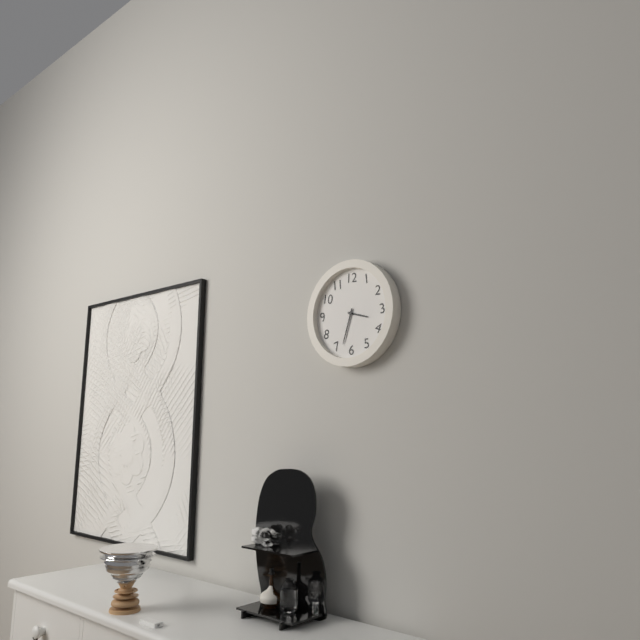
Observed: **3:33**
